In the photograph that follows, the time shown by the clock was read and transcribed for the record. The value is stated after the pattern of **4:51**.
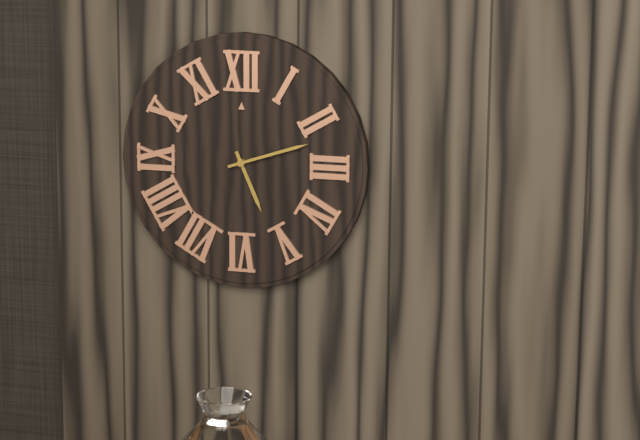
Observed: **5:12**
